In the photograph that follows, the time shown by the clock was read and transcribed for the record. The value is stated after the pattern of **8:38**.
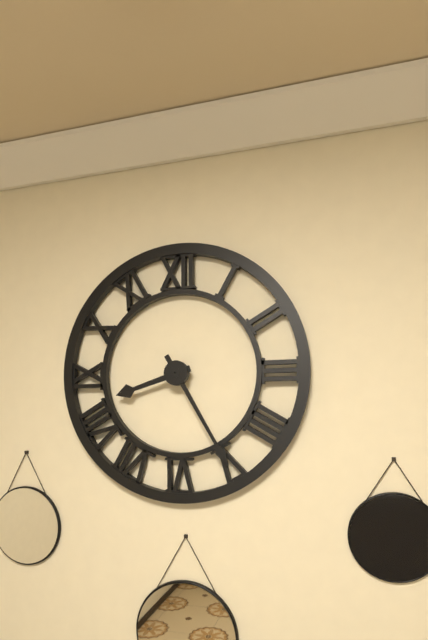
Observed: **8:25**
